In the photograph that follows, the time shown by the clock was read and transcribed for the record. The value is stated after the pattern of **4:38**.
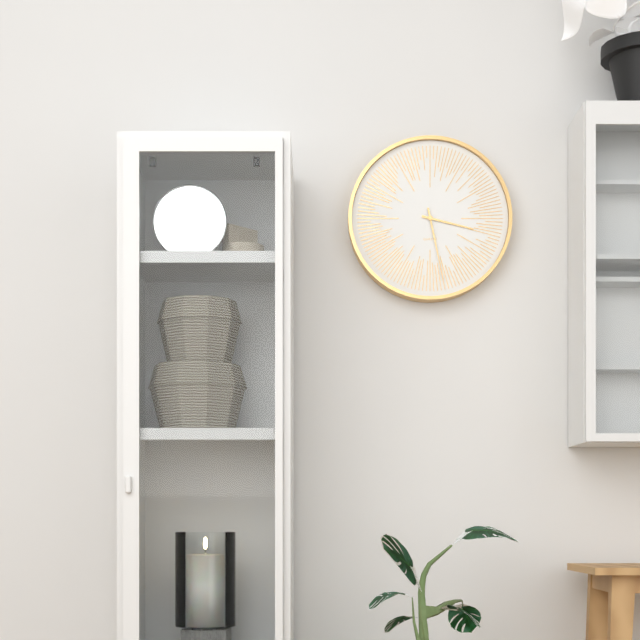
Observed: **3:28**
